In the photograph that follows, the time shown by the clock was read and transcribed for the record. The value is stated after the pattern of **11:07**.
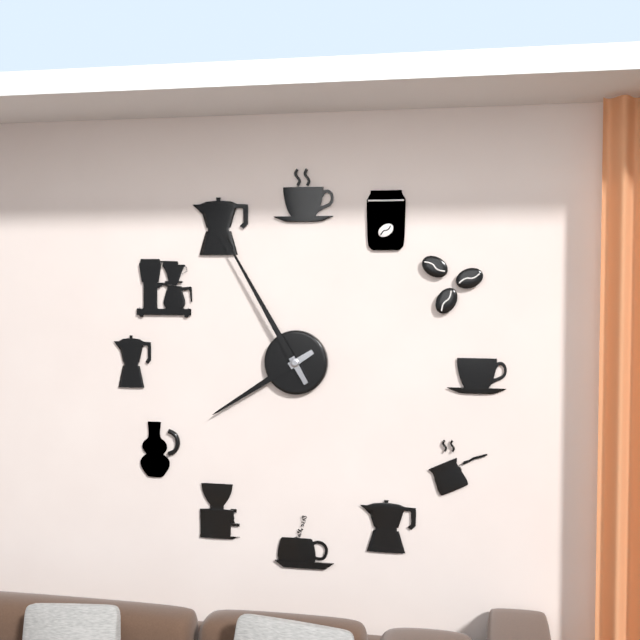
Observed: **7:55**
